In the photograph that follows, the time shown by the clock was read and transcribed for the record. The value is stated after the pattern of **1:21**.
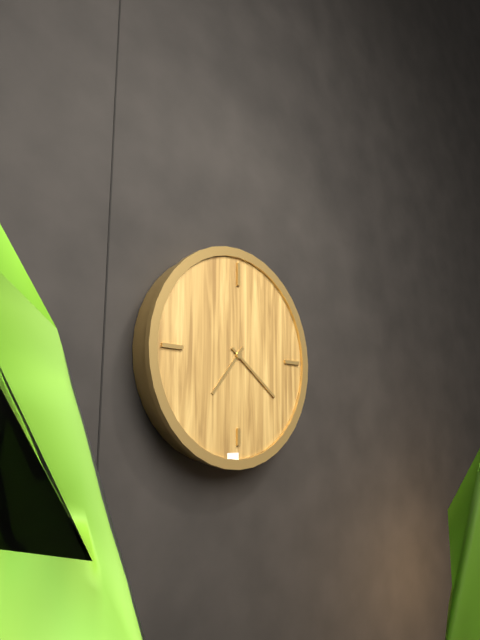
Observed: **7:21**
